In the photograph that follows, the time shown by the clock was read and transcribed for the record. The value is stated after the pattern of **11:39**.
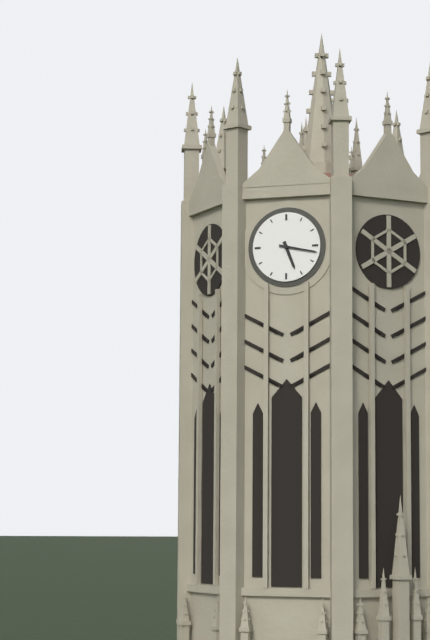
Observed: **5:17**
